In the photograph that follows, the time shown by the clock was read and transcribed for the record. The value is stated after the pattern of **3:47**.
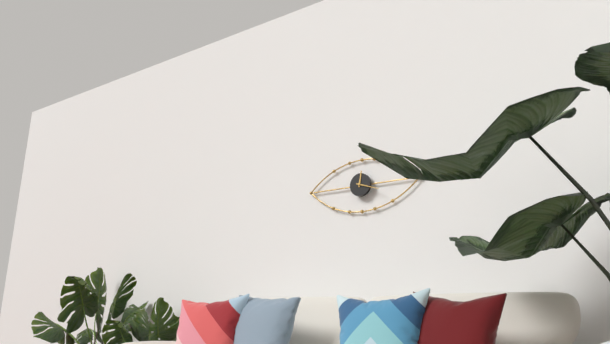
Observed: **12:18**
